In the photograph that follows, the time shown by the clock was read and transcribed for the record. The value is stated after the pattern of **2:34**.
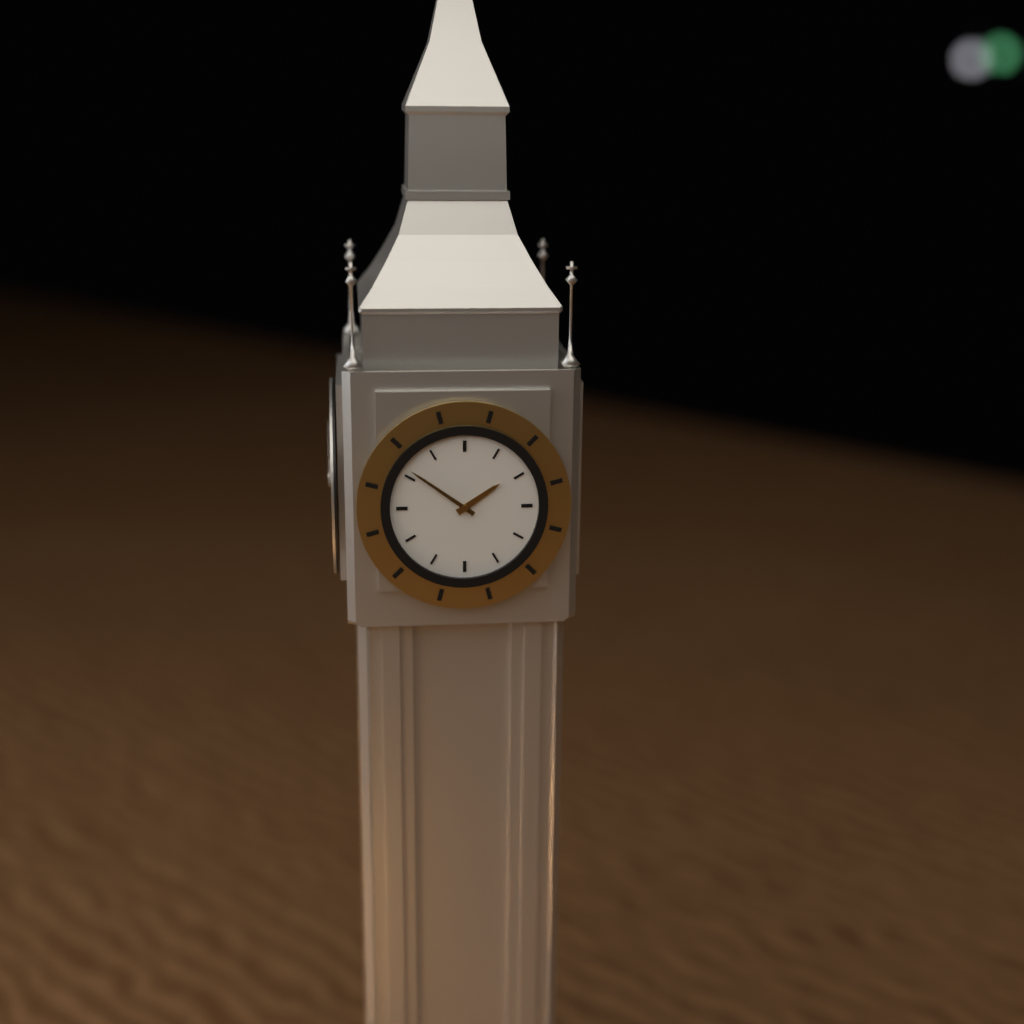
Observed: **1:51**
